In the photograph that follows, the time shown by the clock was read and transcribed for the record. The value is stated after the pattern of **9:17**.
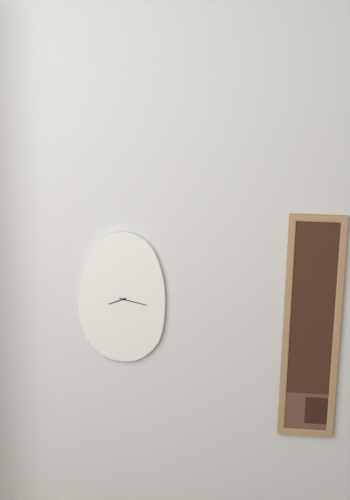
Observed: **8:17**
